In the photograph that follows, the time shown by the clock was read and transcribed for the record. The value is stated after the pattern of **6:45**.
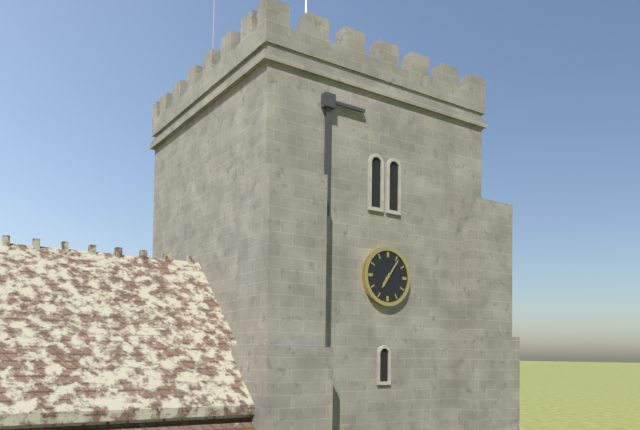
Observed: **7:06**
